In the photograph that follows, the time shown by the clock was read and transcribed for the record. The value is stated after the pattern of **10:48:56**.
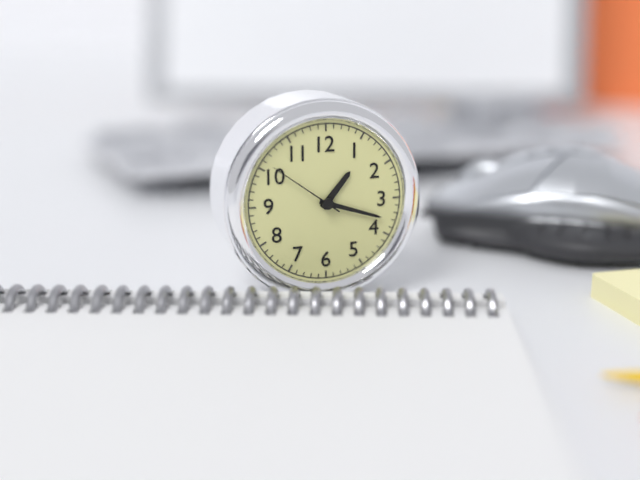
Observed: **1:18:51**
